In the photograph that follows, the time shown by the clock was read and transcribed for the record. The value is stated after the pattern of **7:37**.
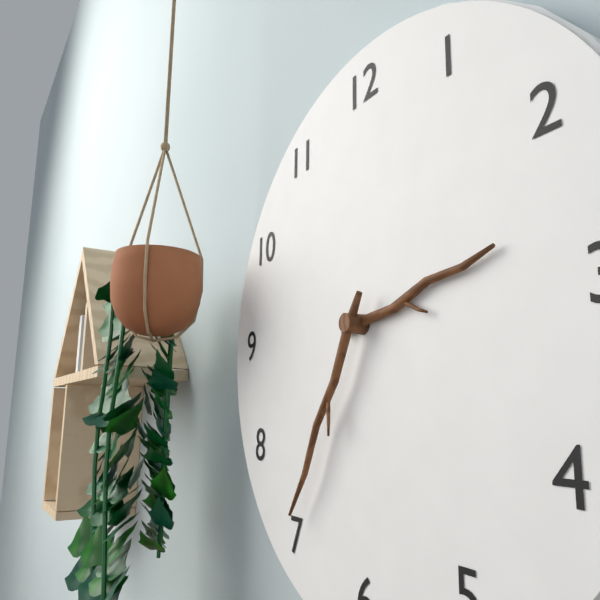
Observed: **2:35**
